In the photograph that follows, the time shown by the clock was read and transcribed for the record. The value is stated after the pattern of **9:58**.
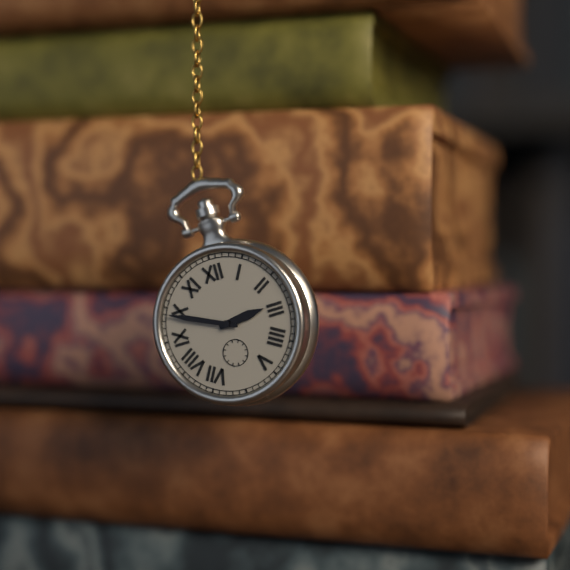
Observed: **2:49**
